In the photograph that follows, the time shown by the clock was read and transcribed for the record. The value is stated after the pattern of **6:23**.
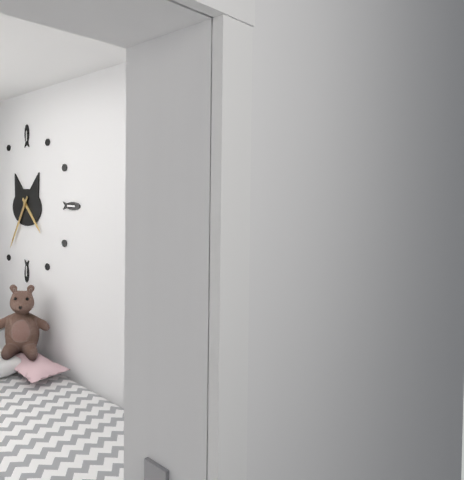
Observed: **4:35**
